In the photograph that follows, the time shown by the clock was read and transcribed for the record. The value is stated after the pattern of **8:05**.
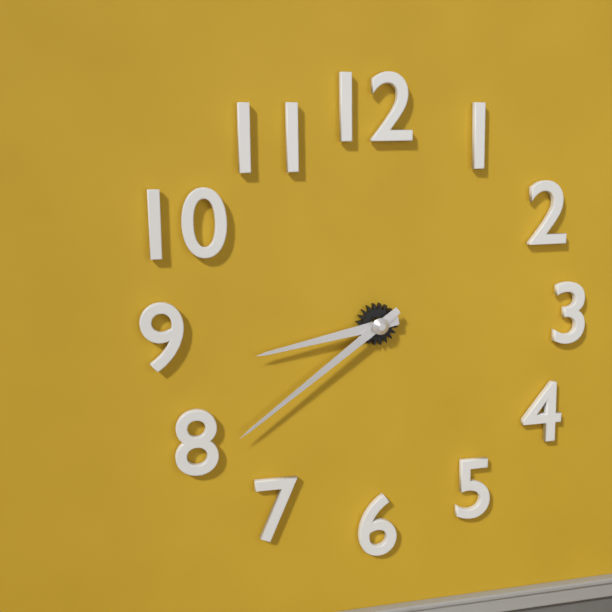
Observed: **8:39**
